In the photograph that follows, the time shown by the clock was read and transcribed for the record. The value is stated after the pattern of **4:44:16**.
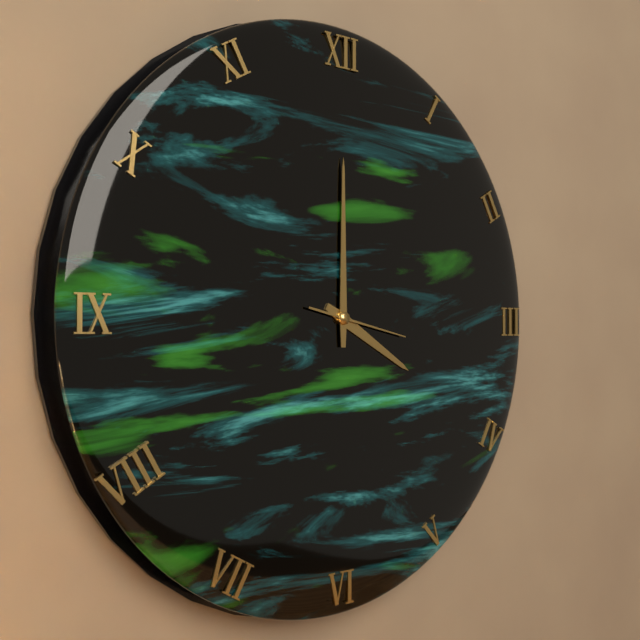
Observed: **4:00:17**
